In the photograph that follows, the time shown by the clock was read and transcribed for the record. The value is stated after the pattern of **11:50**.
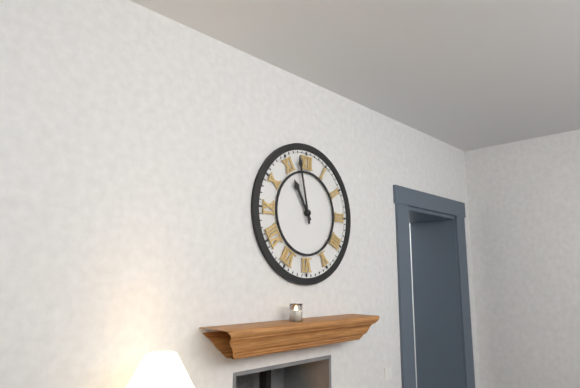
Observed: **10:58**
